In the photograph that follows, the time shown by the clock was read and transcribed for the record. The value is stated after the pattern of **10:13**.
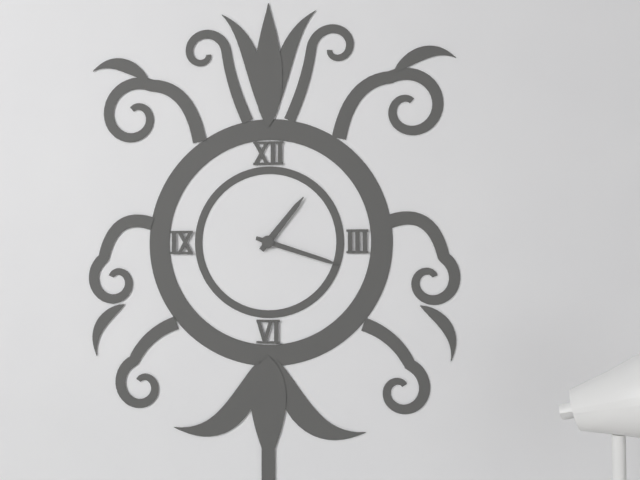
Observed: **1:18**
